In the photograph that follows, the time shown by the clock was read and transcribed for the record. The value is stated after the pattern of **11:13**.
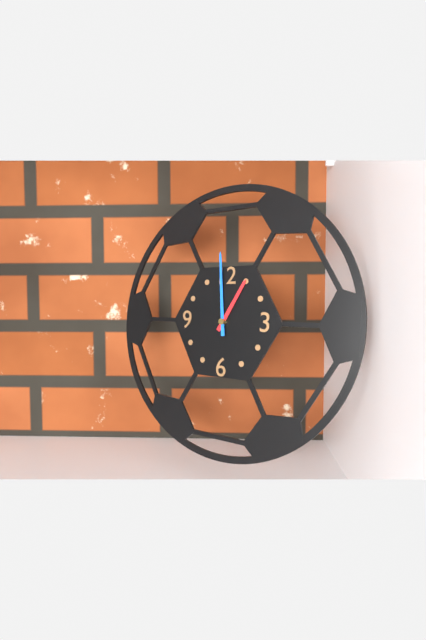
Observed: **12:59**
